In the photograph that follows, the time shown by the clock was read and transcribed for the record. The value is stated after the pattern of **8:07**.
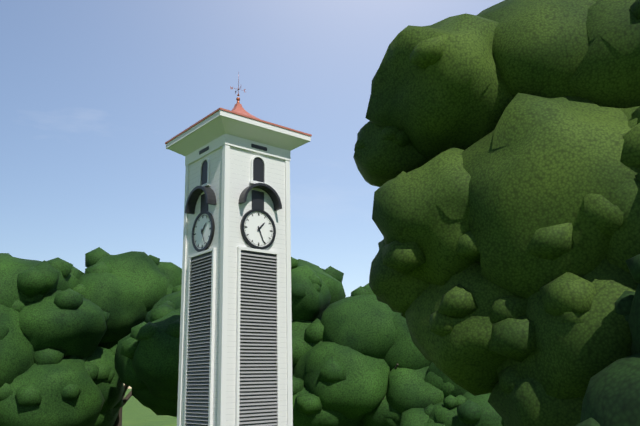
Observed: **1:26**
